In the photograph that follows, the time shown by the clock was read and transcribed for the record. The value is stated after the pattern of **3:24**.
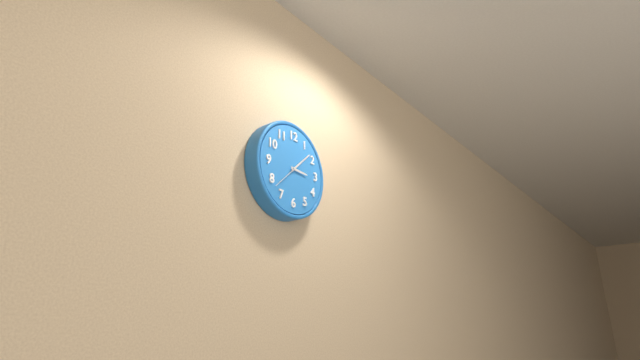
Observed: **3:08**
